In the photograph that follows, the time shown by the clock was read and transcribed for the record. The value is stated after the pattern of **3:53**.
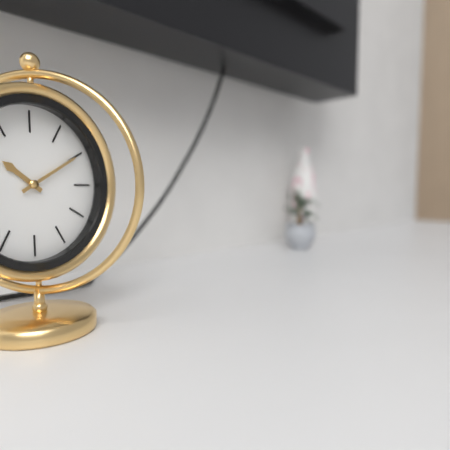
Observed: **10:10**
